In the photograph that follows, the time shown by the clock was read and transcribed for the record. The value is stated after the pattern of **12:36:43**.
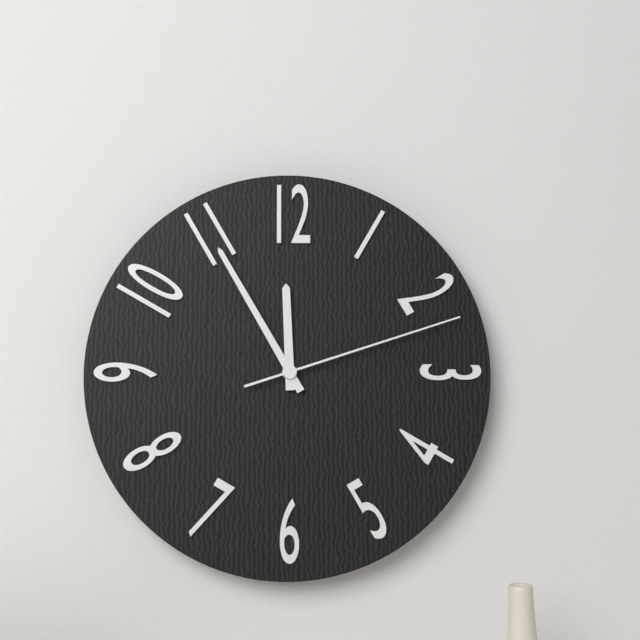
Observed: **11:55:12**
